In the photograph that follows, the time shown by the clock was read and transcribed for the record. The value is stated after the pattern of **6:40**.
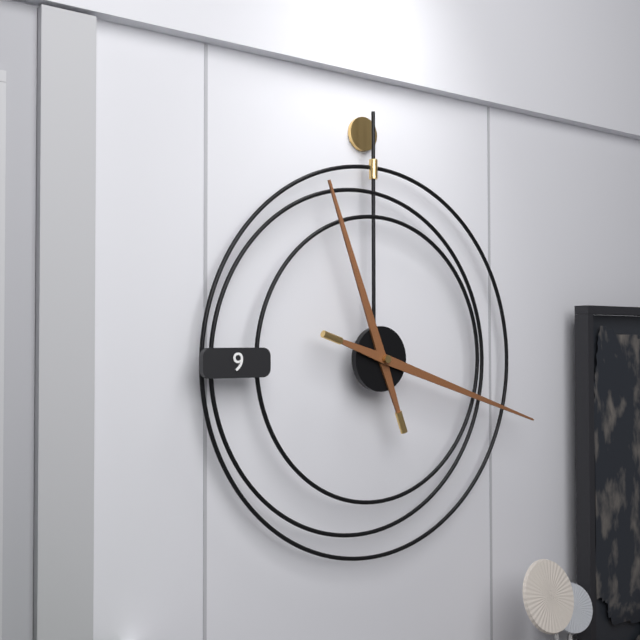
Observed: **11:18**
